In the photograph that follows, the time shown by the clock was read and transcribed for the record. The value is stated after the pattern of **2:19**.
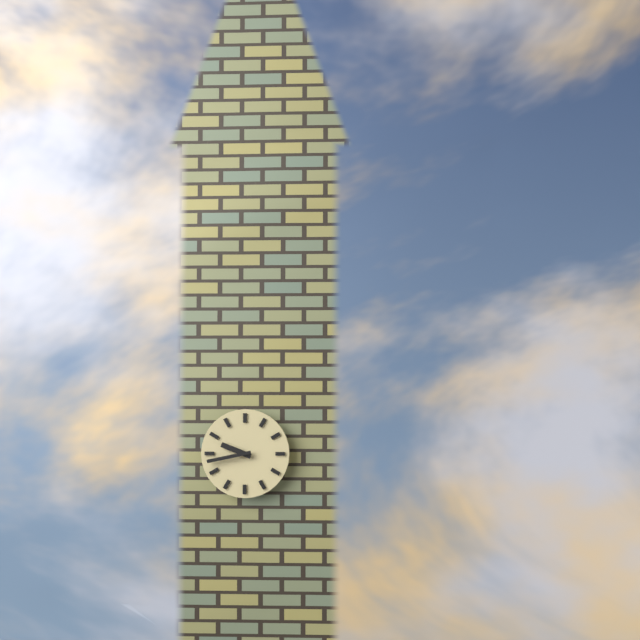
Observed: **9:43**
